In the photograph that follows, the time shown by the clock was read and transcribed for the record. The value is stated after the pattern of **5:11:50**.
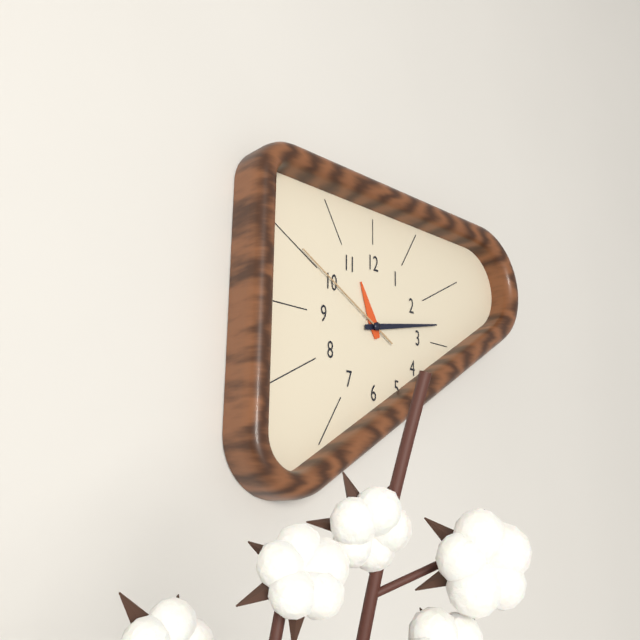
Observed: **11:13:50**
